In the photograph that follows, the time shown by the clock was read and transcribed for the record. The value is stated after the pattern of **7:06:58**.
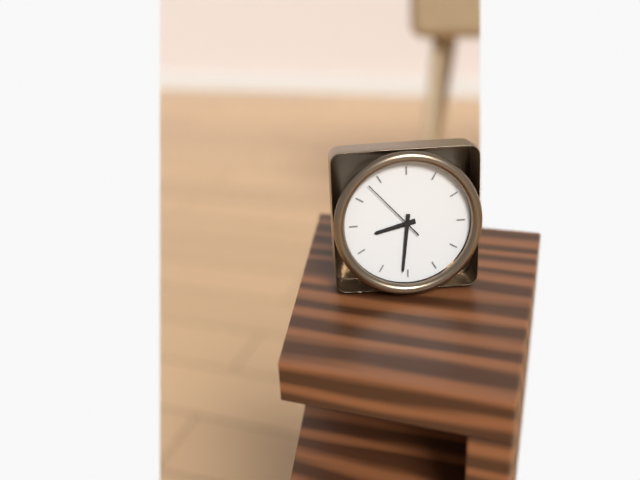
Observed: **8:31:53**
